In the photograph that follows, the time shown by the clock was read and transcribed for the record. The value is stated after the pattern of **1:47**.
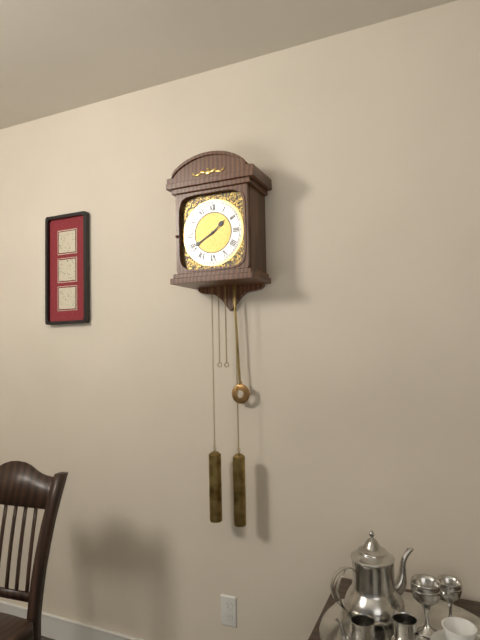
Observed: **1:40**
